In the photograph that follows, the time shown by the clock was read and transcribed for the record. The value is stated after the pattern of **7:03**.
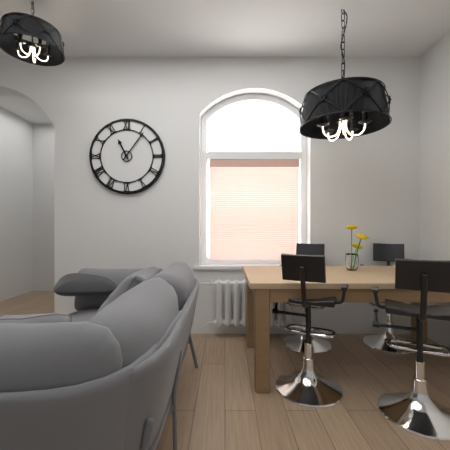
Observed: **11:06**
